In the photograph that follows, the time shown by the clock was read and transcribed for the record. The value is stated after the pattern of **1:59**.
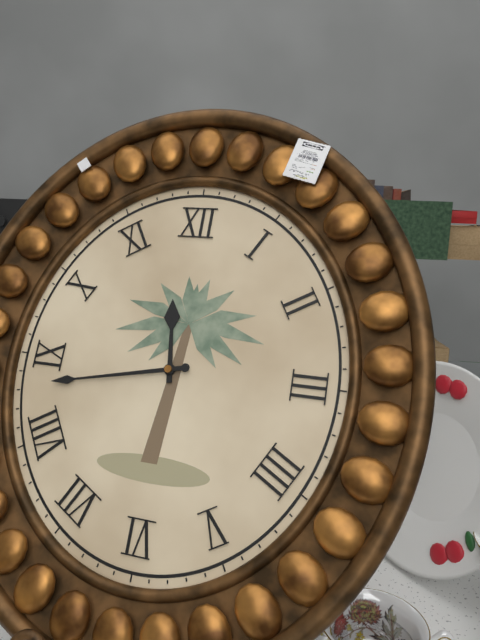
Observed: **11:43**
